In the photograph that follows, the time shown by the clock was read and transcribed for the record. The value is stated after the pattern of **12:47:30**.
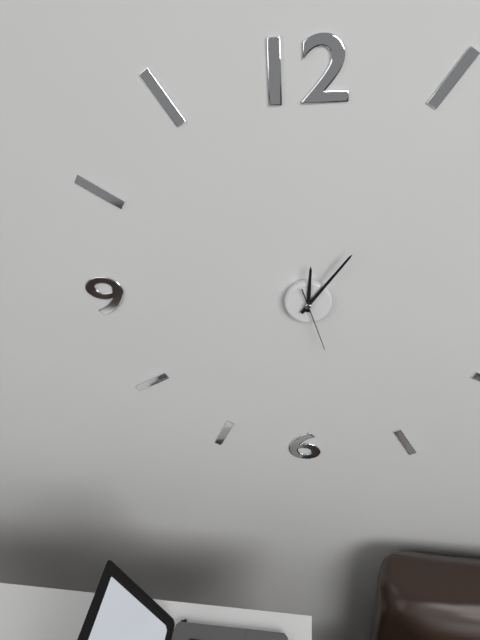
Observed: **12:06:27**
